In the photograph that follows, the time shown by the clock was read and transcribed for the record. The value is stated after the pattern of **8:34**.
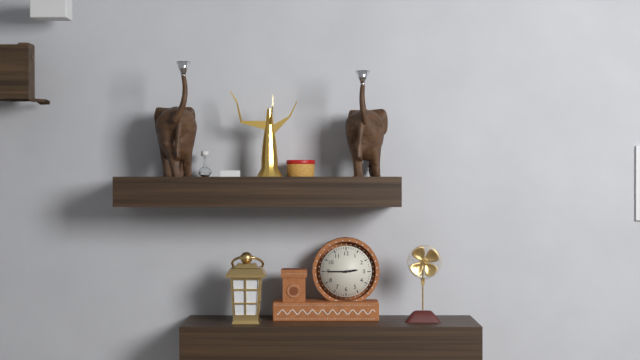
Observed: **2:45**
